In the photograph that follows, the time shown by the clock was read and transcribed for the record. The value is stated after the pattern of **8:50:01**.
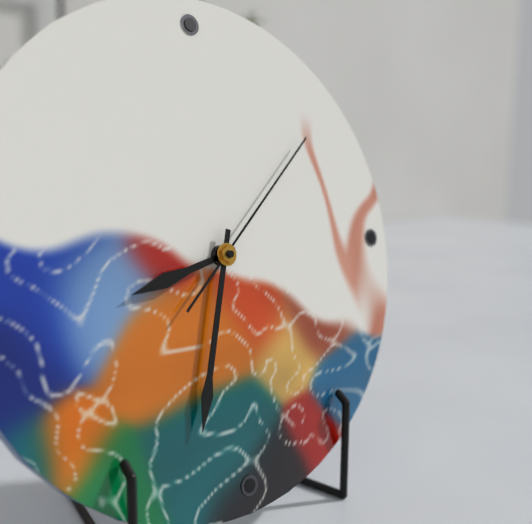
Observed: **8:33:08**
